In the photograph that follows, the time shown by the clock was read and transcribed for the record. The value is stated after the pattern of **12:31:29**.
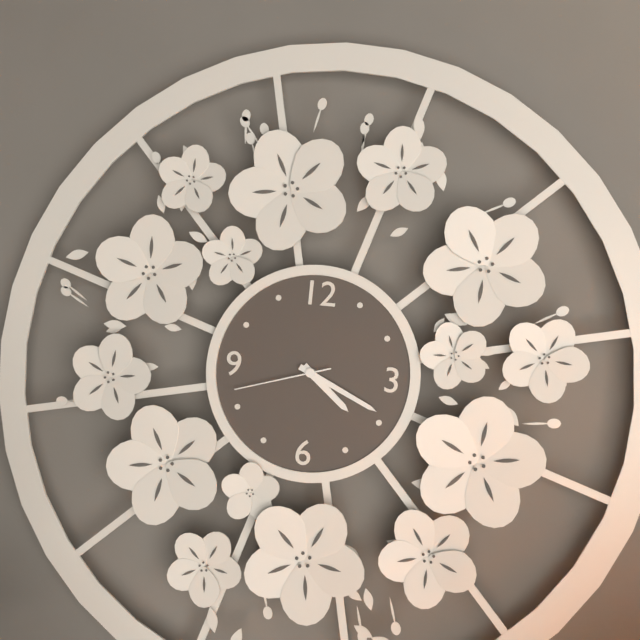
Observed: **4:19:42**
